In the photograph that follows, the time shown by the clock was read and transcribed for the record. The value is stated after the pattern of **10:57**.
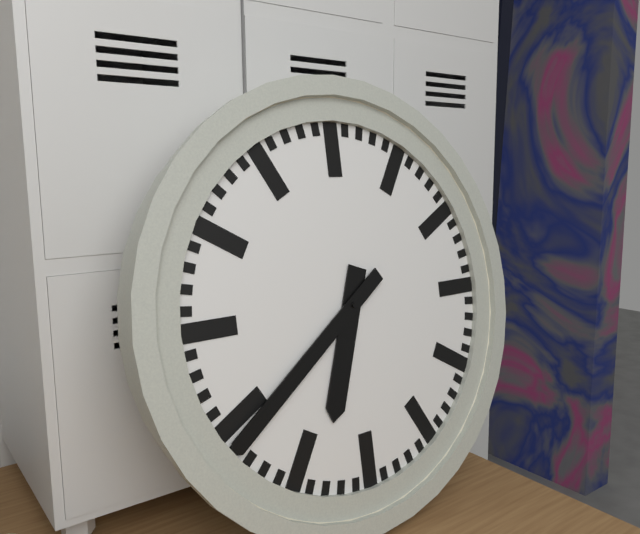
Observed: **6:39**
